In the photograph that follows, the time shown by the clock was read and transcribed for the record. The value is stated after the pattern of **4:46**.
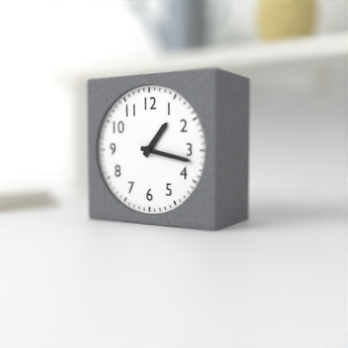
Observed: **1:17**
